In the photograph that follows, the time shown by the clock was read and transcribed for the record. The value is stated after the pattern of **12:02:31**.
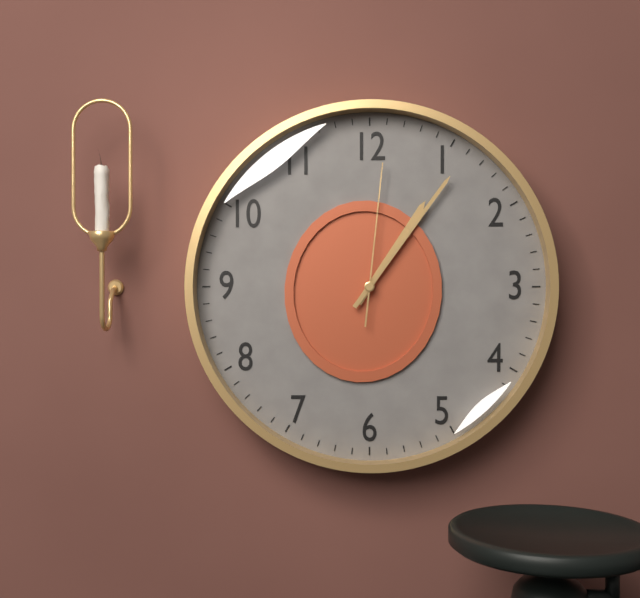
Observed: **1:06:01**
